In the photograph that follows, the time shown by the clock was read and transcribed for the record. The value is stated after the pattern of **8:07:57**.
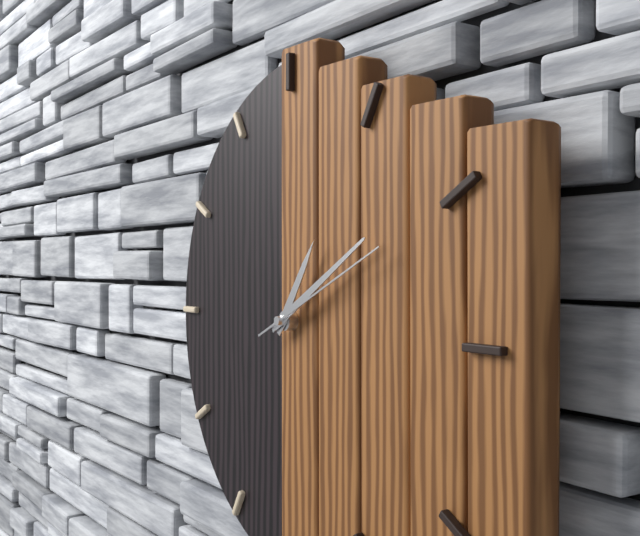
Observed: **1:10:11**
